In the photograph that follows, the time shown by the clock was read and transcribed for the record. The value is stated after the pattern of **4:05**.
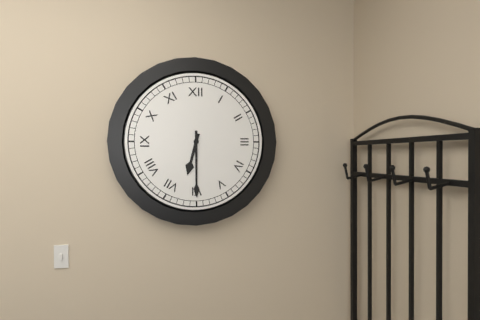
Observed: **6:30**
